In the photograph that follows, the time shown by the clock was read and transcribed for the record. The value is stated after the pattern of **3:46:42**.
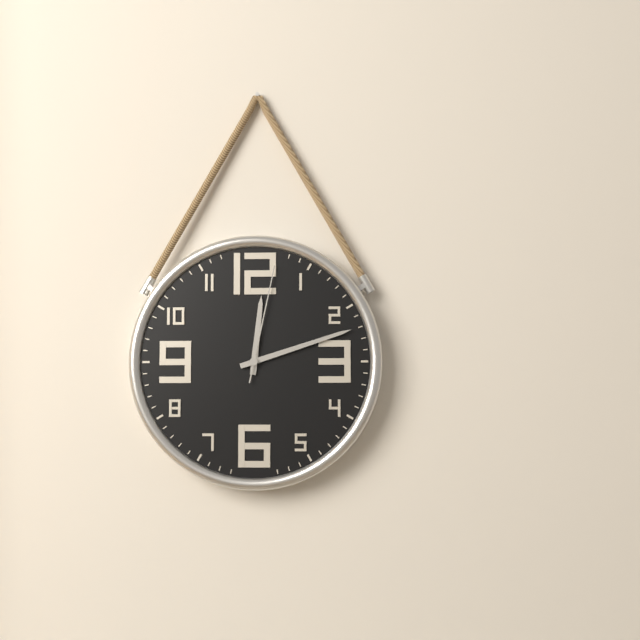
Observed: **12:12:02**
